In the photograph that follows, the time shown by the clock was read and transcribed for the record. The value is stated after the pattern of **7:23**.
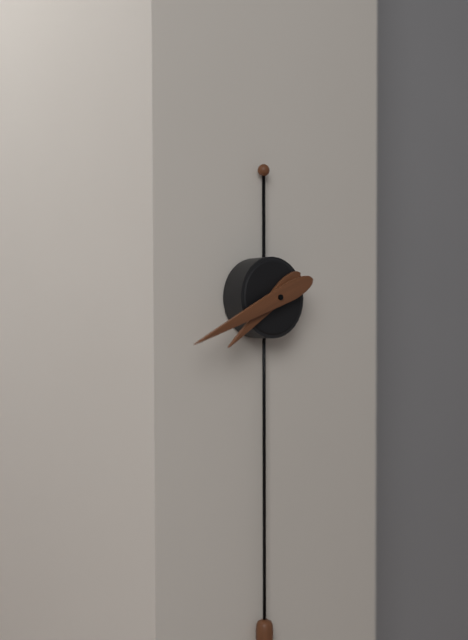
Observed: **7:41**
